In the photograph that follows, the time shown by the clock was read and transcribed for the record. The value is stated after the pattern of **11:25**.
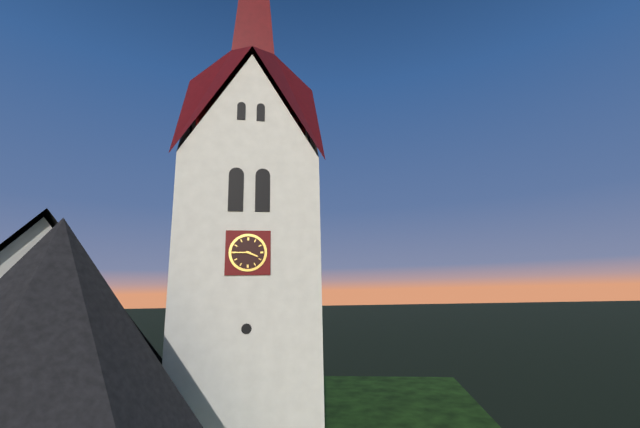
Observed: **3:45**
